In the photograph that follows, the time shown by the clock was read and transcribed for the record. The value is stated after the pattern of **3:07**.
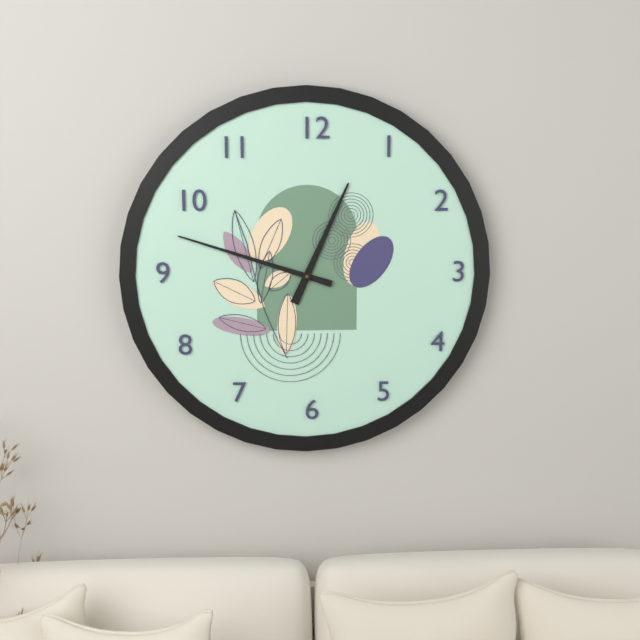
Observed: **12:48**
